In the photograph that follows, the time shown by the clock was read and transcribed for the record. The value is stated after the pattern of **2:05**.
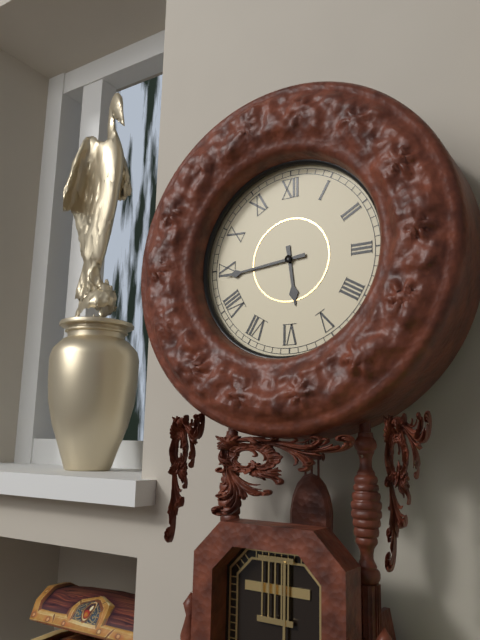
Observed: **5:44**
